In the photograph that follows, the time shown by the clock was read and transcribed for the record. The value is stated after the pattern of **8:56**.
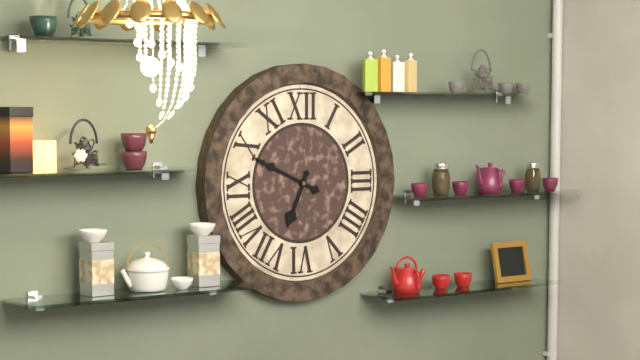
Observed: **6:49**
